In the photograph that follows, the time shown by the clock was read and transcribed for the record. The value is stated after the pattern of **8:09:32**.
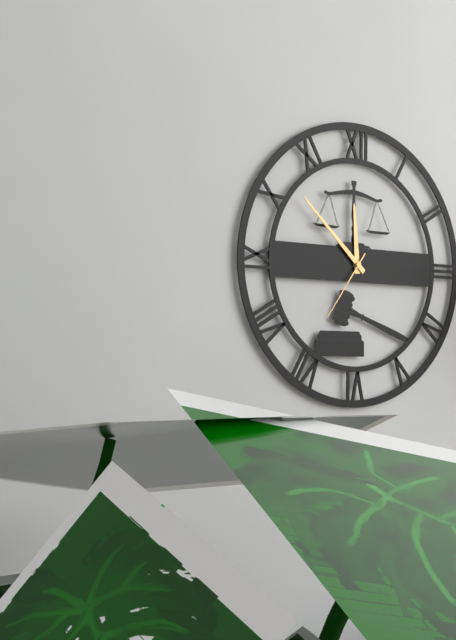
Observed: **11:52:36**
